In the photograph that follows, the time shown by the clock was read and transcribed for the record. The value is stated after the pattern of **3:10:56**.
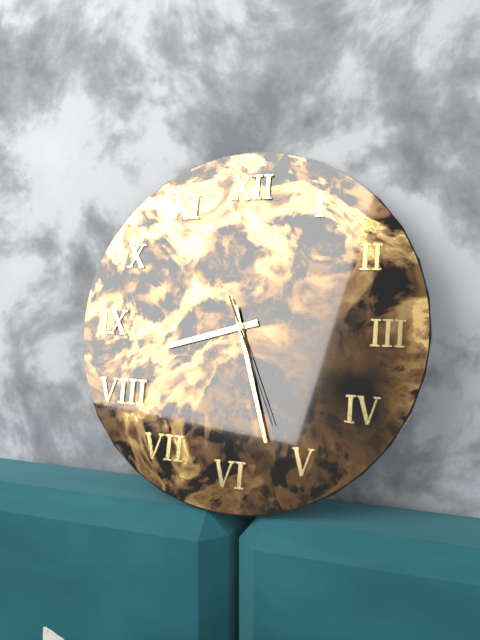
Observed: **8:27:26**
